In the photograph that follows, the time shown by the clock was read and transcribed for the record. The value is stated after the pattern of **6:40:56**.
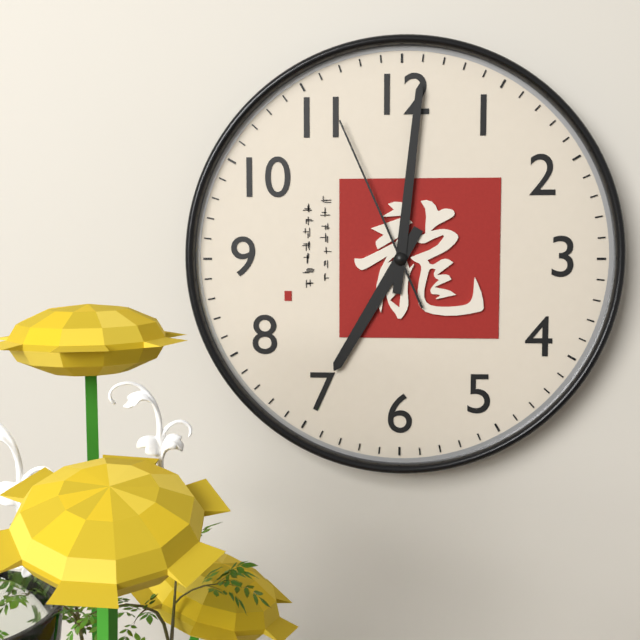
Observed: **7:01:56**
